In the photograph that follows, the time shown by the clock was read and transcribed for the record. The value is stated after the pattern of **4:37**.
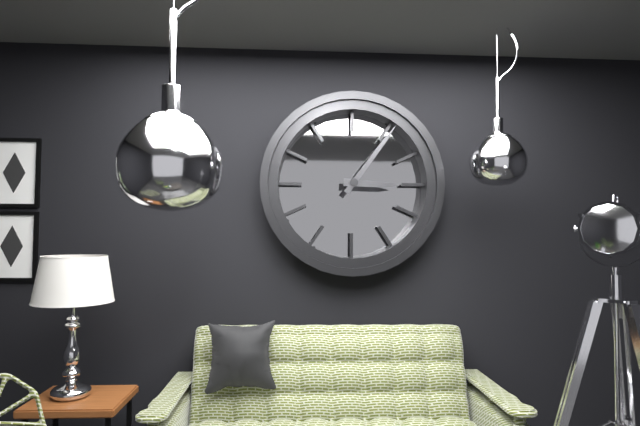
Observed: **3:06**
